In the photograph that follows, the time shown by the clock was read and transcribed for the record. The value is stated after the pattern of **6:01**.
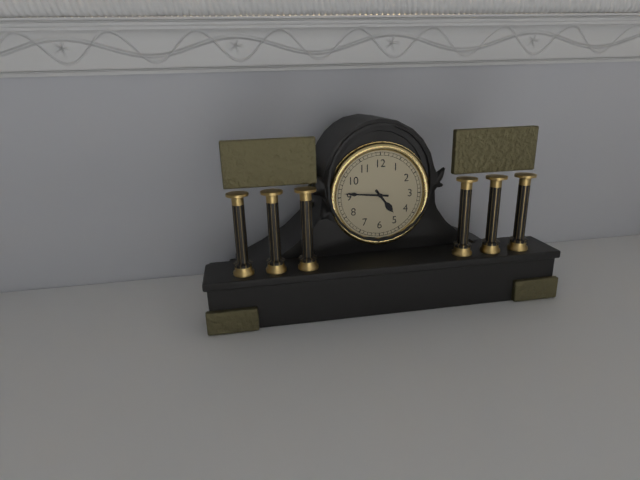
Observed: **4:46**
